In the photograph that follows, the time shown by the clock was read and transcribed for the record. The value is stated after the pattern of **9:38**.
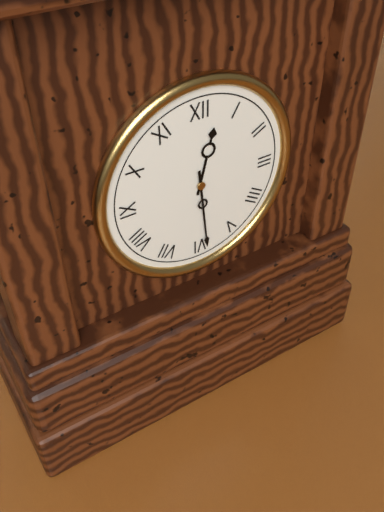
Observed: **12:29**
